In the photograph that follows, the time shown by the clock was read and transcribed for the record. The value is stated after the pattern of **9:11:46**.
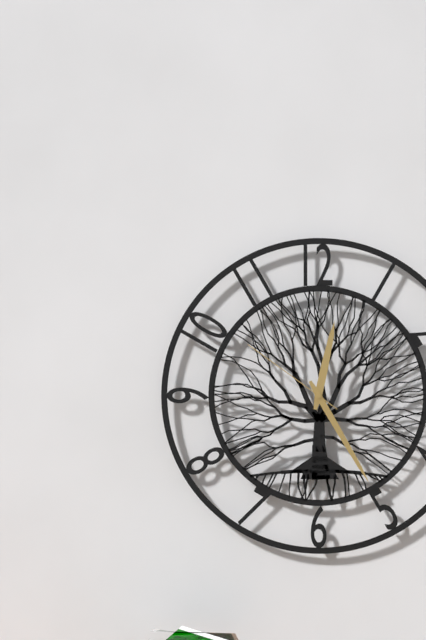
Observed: **12:25:51**
